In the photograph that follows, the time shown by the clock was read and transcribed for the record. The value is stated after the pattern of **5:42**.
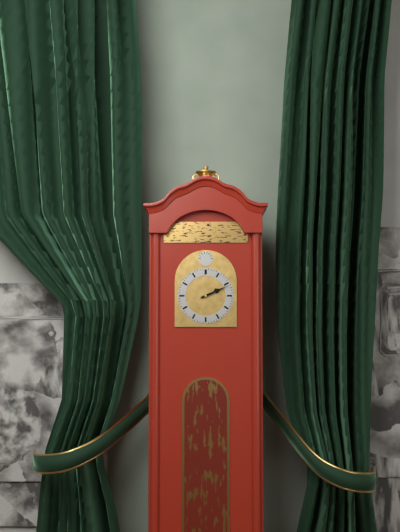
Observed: **2:11**
